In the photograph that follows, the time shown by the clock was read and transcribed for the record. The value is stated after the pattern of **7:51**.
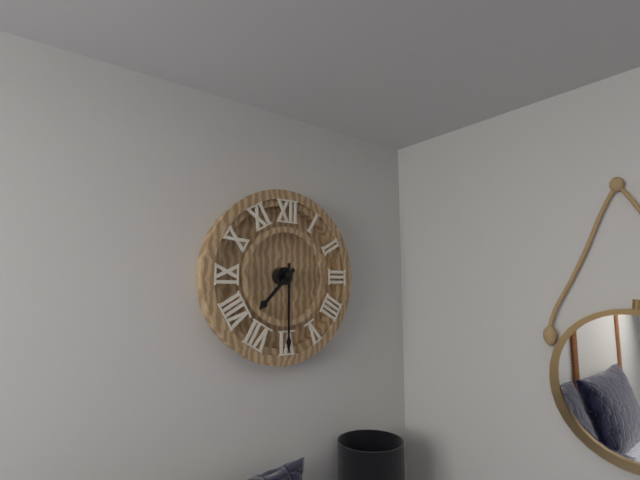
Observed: **7:30**
